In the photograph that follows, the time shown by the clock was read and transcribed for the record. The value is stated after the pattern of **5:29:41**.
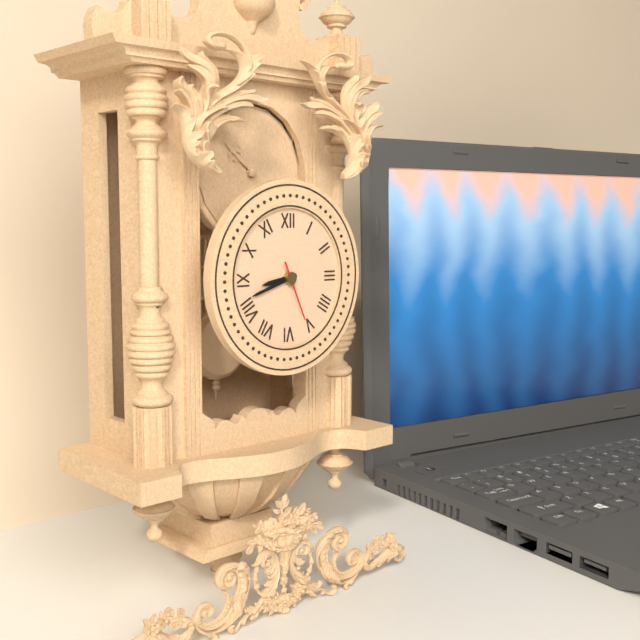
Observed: **8:42:26**
